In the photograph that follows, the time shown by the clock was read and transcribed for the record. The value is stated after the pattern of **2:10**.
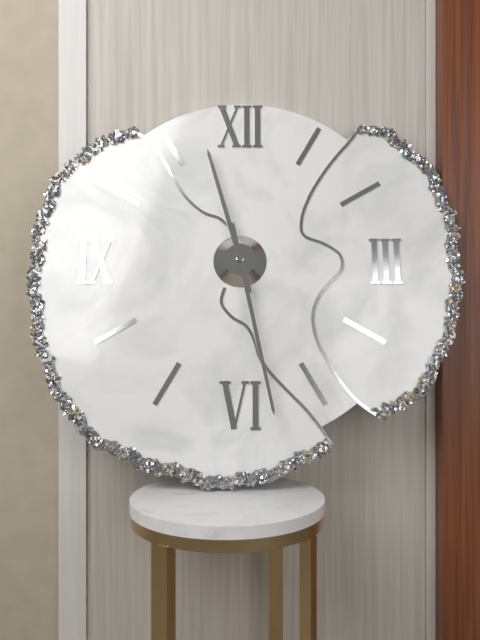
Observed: **11:28**
